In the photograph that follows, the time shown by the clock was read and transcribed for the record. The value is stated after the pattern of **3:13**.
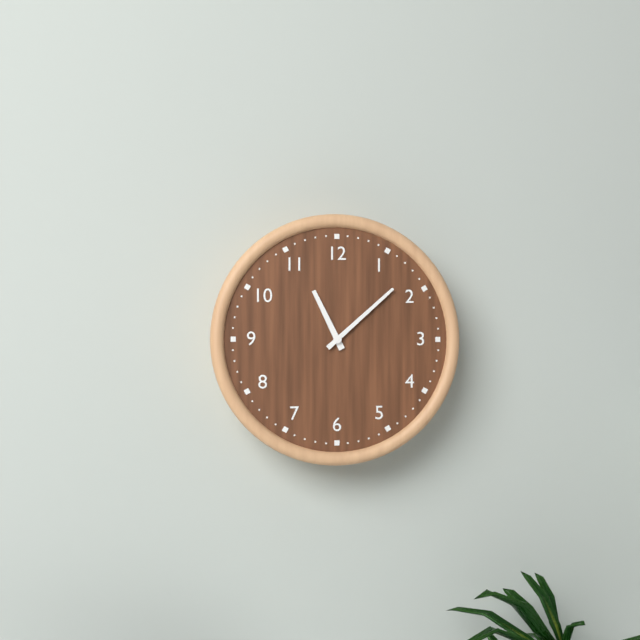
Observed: **11:08**
